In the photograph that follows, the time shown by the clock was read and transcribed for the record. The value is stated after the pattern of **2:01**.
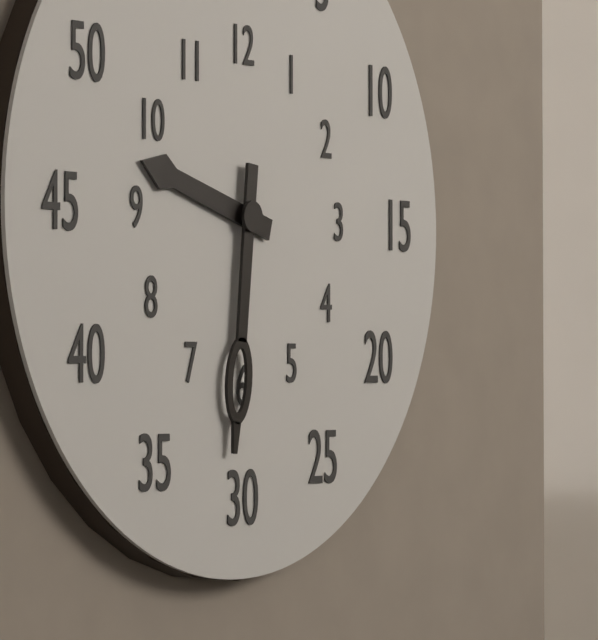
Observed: **9:31**
